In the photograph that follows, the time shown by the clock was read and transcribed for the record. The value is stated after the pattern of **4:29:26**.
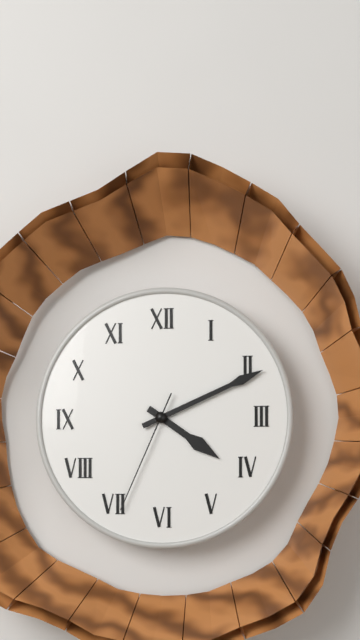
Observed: **4:11:34**
